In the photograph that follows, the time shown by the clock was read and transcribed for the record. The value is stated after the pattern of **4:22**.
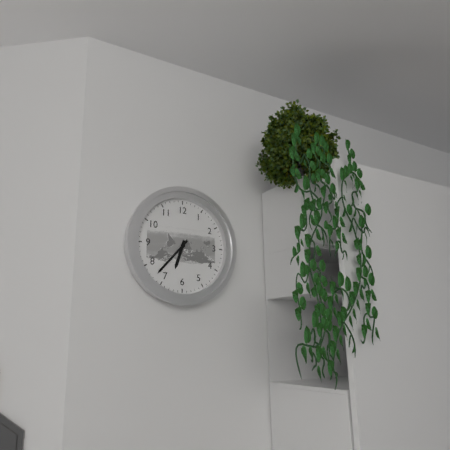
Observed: **6:37**
